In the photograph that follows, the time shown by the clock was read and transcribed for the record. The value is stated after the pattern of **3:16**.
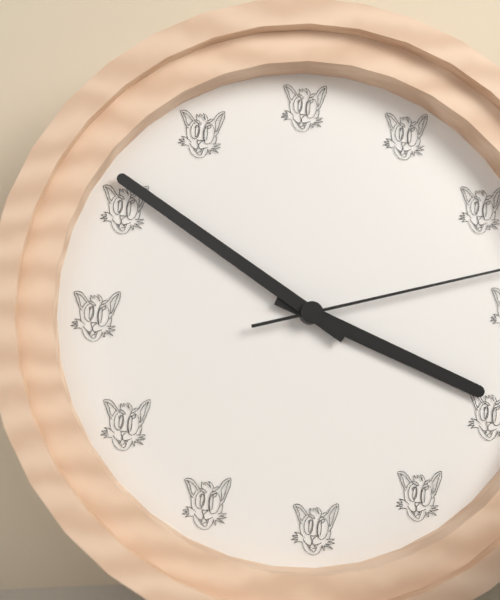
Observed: **3:51**
